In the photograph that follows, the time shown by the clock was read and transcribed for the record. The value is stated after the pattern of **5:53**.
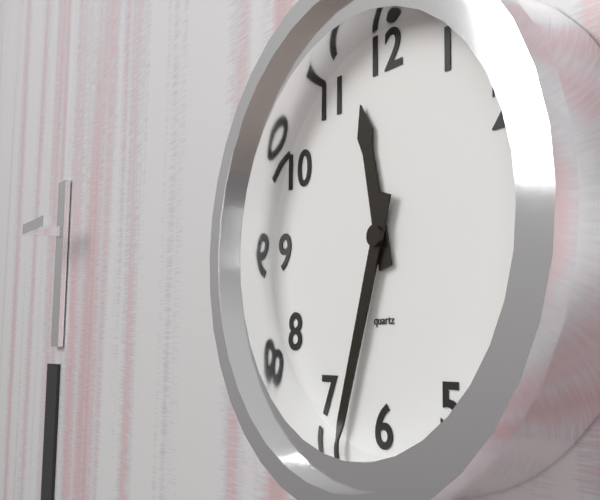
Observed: **11:33**
